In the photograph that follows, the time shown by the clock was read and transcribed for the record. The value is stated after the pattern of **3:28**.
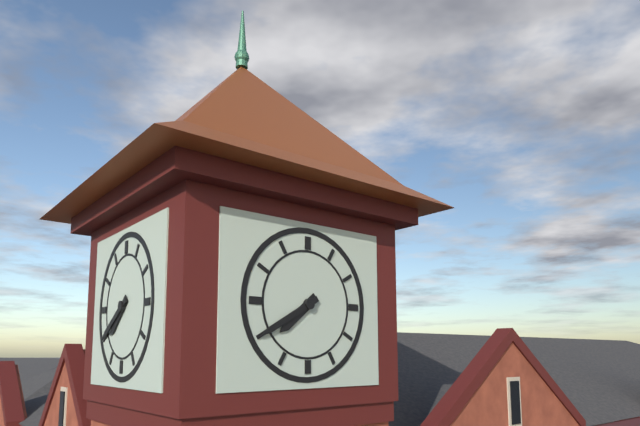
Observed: **7:40**
